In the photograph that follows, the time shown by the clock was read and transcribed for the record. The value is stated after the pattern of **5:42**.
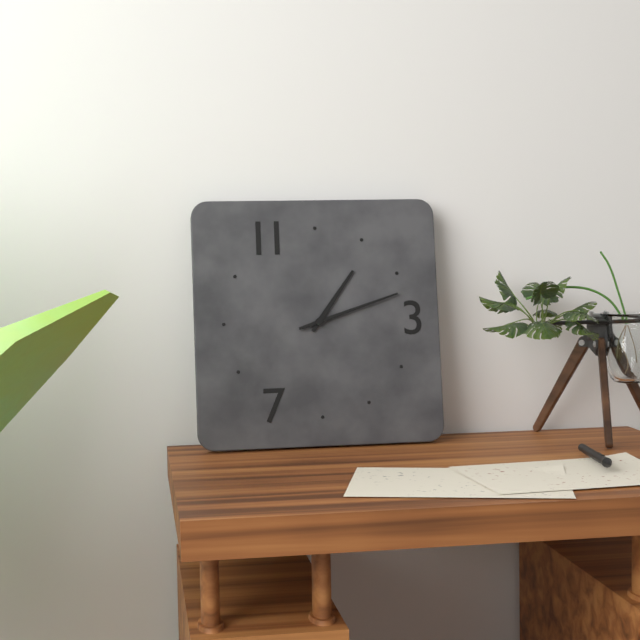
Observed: **1:12**
